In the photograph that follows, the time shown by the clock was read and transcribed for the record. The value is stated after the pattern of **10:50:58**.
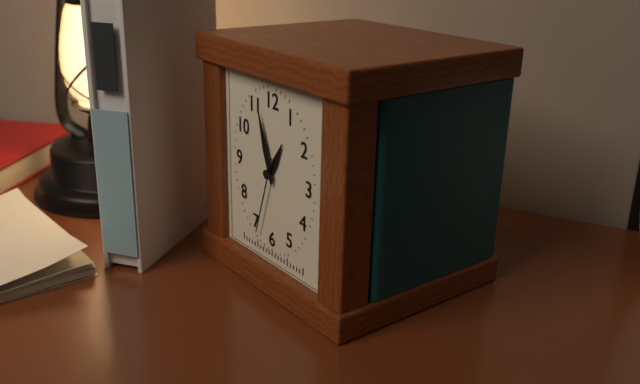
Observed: **12:57:33**
